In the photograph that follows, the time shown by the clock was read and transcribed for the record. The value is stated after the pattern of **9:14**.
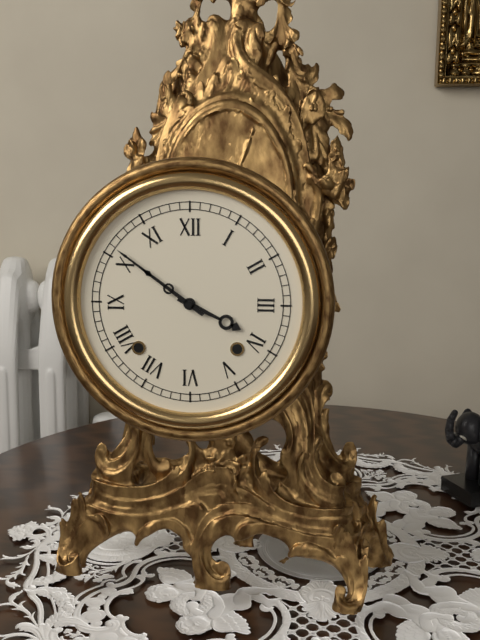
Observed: **3:51**
